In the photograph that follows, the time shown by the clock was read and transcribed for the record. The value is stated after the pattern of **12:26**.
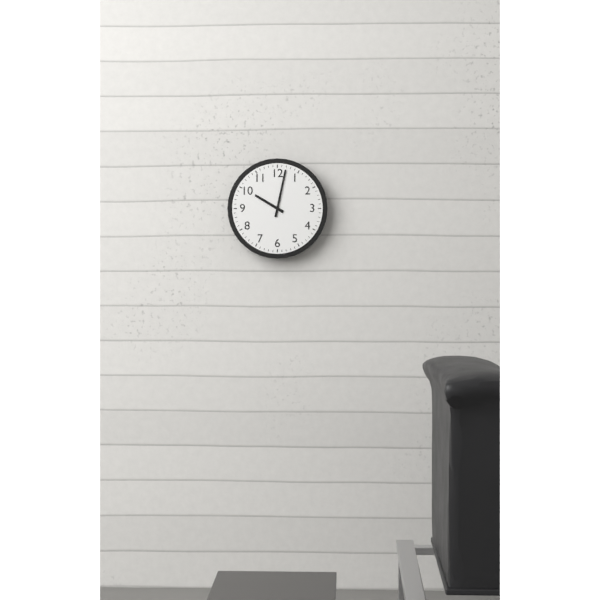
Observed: **10:02**
